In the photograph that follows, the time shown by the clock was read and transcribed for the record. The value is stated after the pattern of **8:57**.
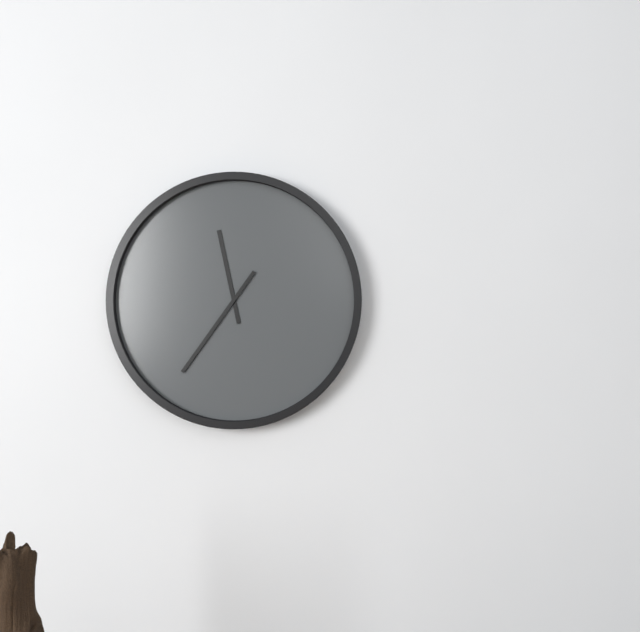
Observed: **11:36**
